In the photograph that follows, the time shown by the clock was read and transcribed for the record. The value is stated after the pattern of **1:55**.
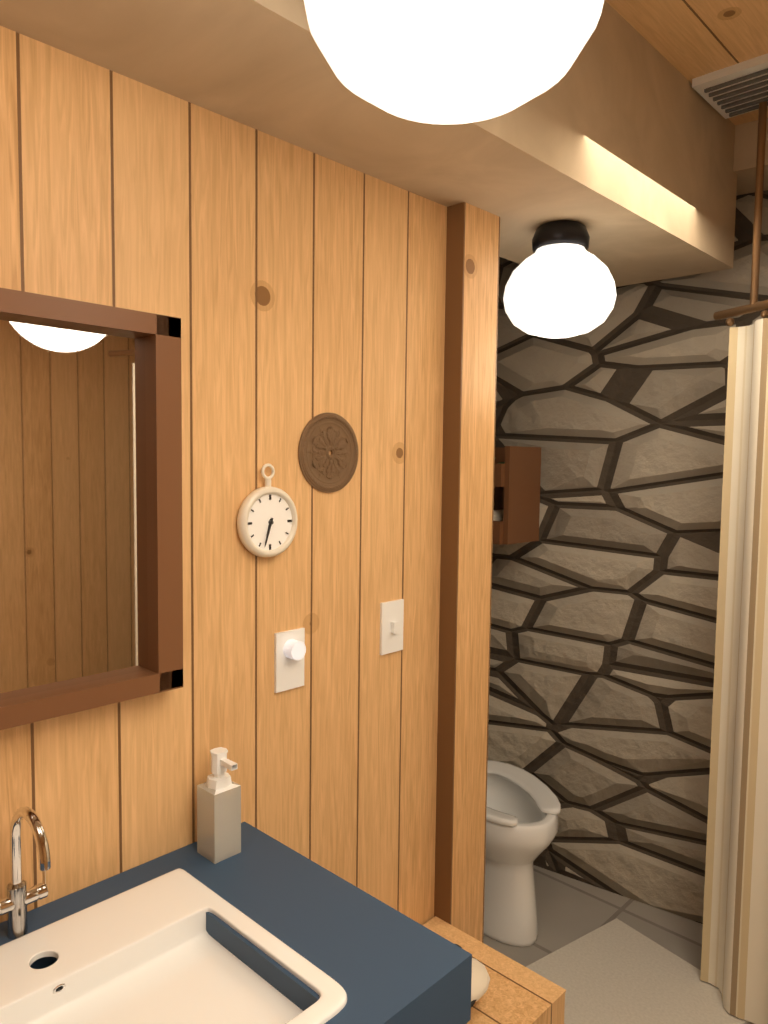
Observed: **6:33**
